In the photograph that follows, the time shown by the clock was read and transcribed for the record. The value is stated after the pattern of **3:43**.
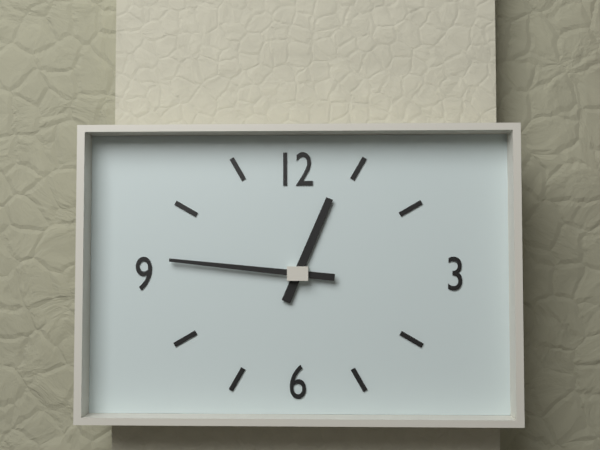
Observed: **12:46**
